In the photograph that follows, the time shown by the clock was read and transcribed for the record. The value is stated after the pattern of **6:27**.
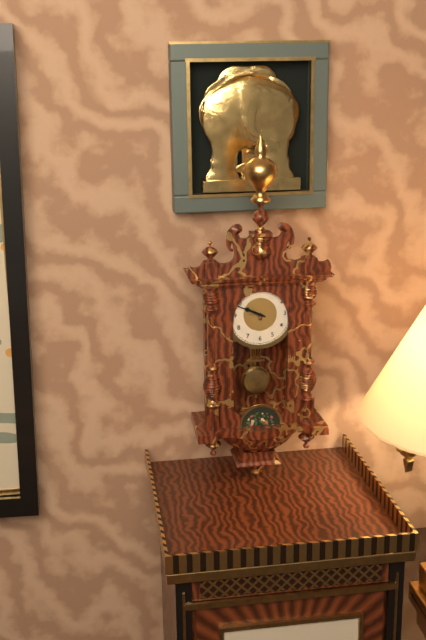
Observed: **9:49**
